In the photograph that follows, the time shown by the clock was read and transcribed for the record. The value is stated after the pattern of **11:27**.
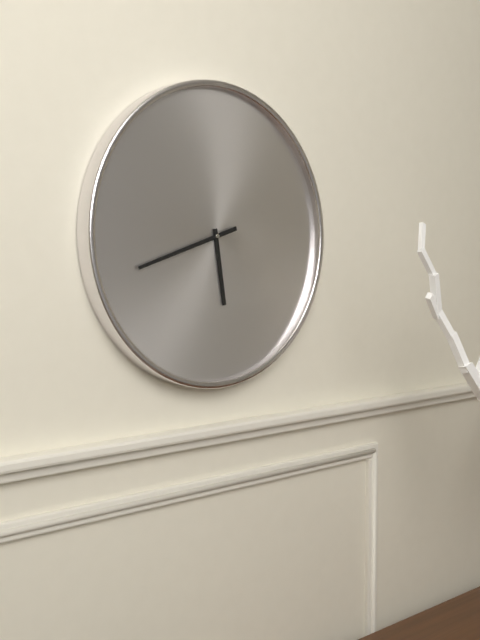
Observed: **5:42**
